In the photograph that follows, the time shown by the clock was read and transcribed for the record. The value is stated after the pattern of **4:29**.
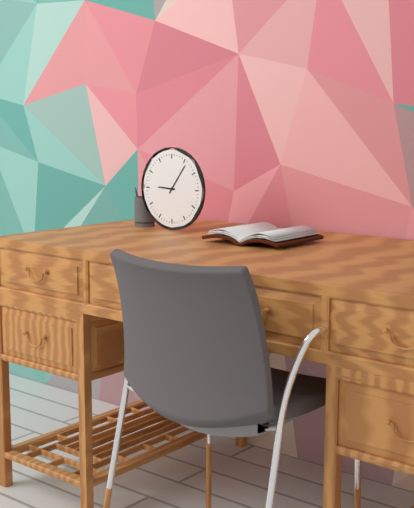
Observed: **9:06**
